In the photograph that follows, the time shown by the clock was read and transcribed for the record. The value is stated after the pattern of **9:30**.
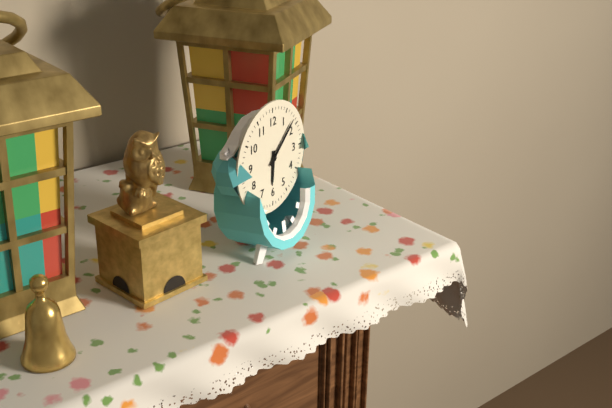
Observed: **6:08**
